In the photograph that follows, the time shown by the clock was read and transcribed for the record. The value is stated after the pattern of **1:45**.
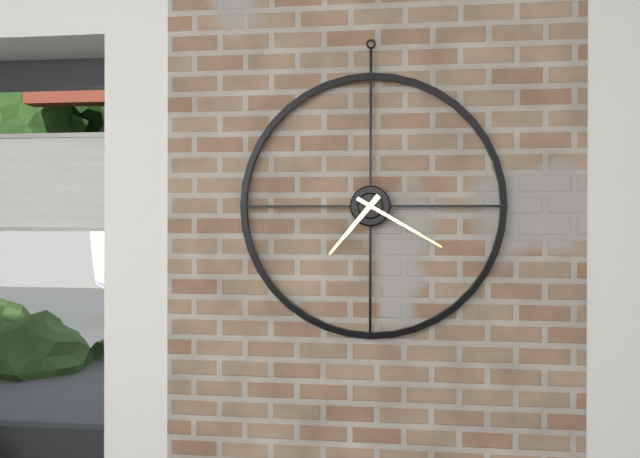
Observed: **7:20**
